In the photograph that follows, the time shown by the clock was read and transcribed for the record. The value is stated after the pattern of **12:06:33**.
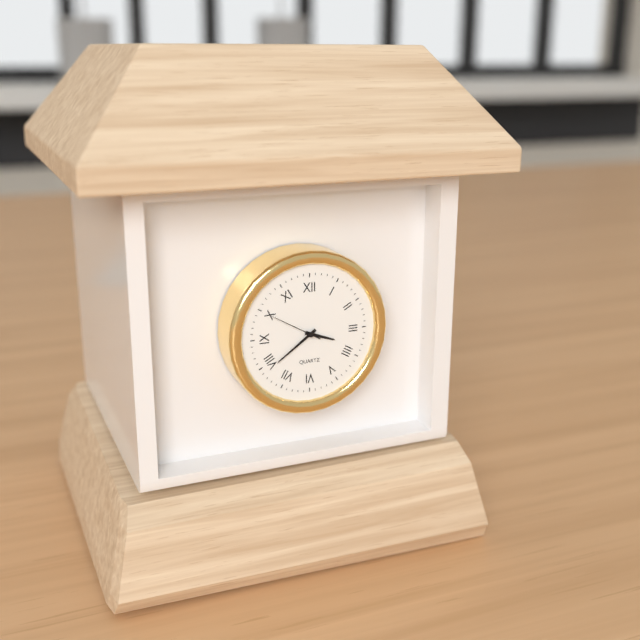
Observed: **3:39:50**
